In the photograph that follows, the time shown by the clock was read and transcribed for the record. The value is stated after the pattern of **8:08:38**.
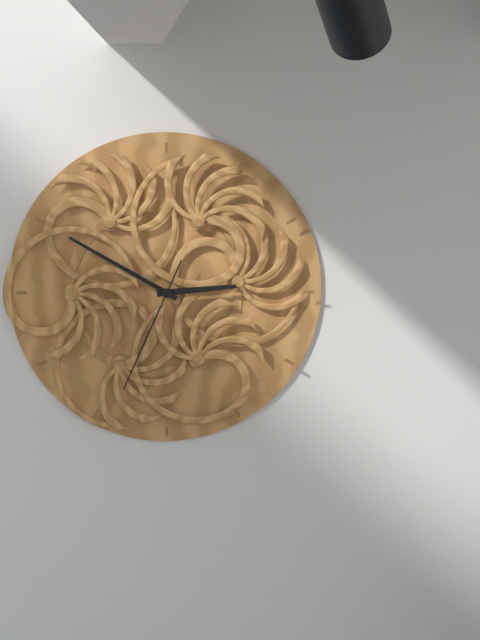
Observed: **2:50:34**
